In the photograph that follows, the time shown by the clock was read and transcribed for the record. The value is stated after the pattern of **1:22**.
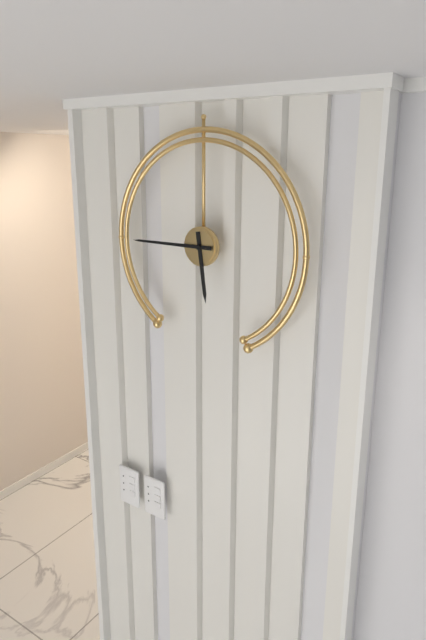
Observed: **5:45**
